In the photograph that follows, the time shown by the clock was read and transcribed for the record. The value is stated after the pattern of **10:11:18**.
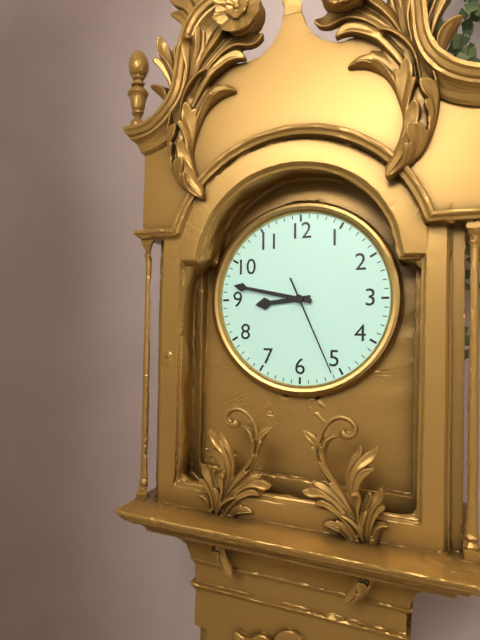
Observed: **8:47:26**
